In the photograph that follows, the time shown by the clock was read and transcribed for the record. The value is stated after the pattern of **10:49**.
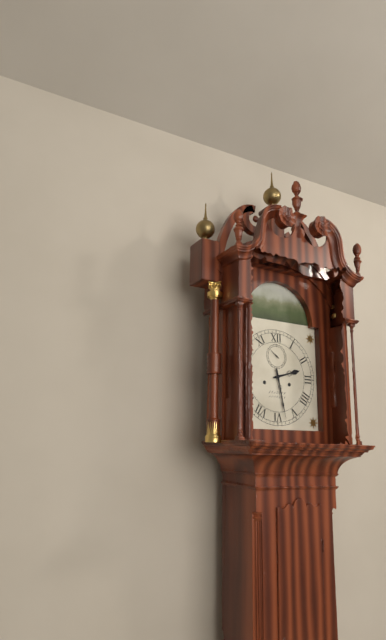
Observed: **2:28**
